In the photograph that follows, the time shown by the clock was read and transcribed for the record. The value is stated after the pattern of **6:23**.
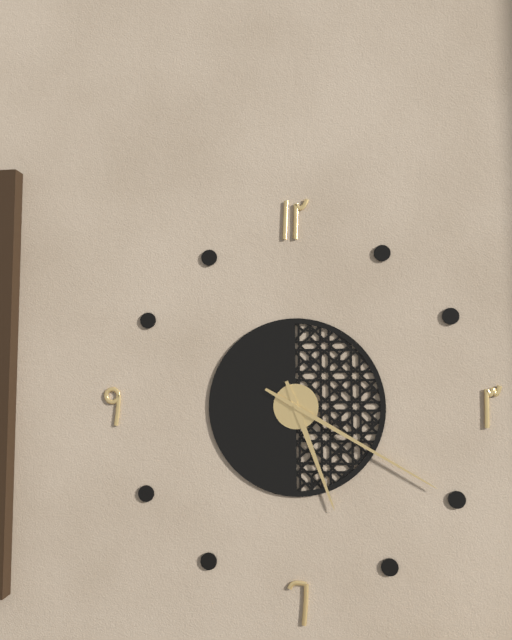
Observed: **5:20**
